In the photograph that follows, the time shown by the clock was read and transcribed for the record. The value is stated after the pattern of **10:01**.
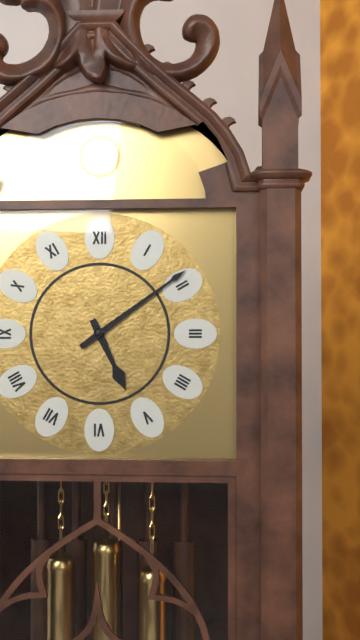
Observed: **5:09**
